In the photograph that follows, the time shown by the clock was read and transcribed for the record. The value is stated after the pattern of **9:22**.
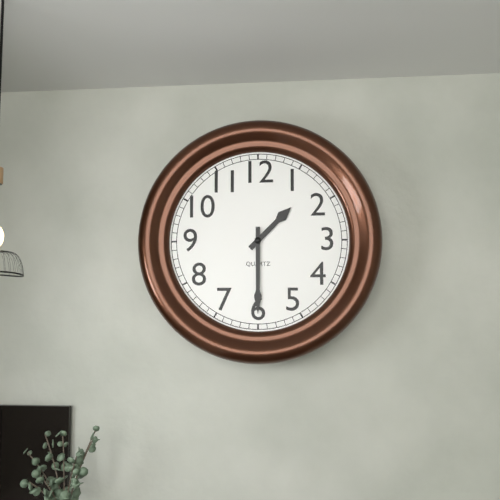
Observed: **1:30**
